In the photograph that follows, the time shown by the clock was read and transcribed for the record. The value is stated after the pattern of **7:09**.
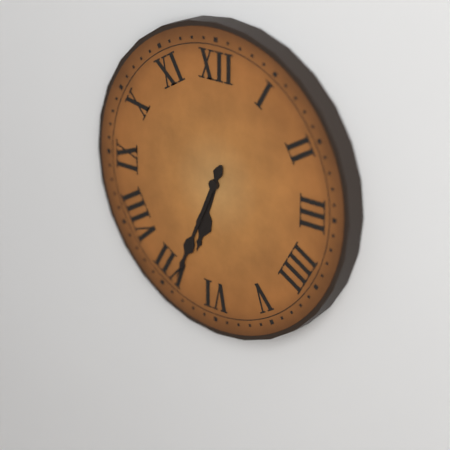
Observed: **6:34**
